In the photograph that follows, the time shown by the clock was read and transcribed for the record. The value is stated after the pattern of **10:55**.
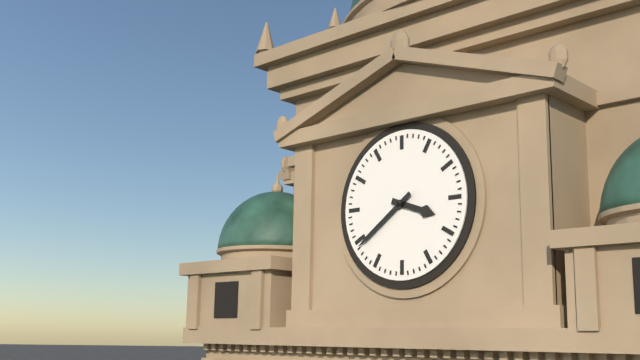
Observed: **3:39**
